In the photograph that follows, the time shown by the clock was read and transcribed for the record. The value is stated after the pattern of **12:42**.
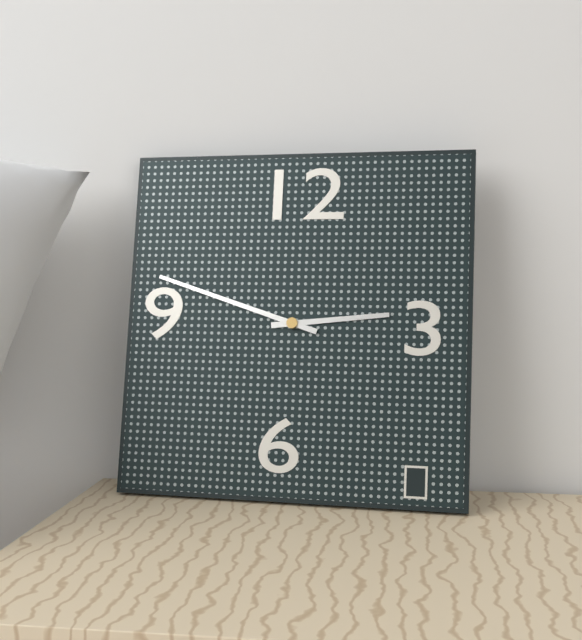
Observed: **2:48**
